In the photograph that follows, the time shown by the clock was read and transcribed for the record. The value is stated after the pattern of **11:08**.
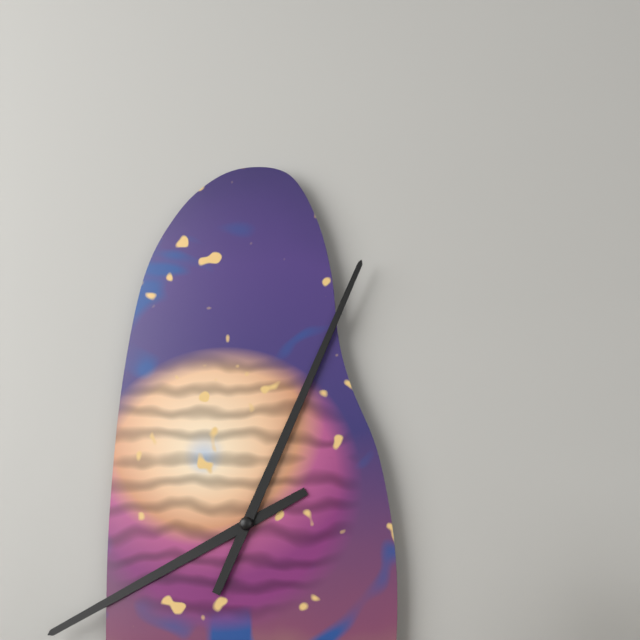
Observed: **8:04**
